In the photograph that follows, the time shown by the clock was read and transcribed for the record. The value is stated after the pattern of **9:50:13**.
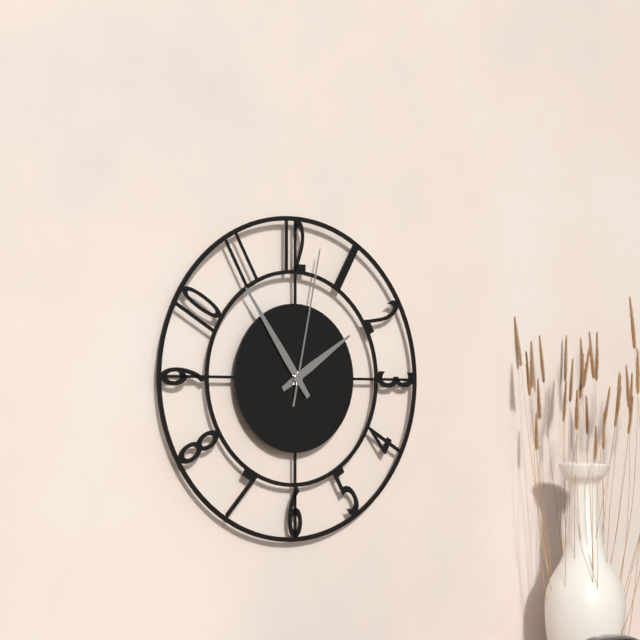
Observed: **1:54:02**
